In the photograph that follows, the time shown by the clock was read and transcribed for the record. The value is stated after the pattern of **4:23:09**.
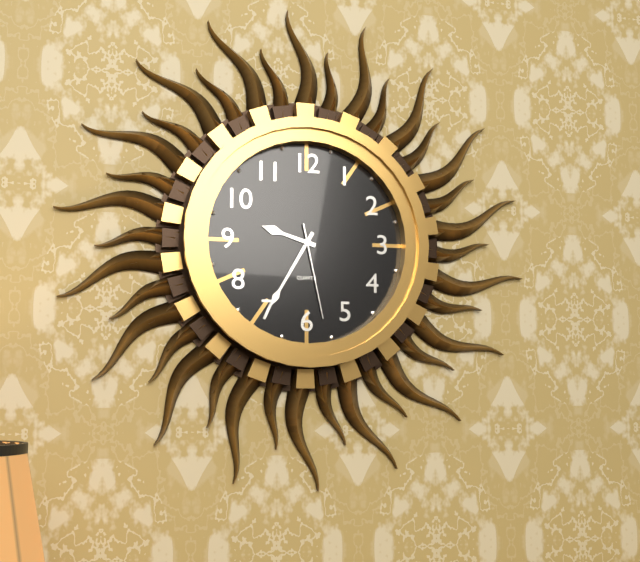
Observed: **9:35:28**
